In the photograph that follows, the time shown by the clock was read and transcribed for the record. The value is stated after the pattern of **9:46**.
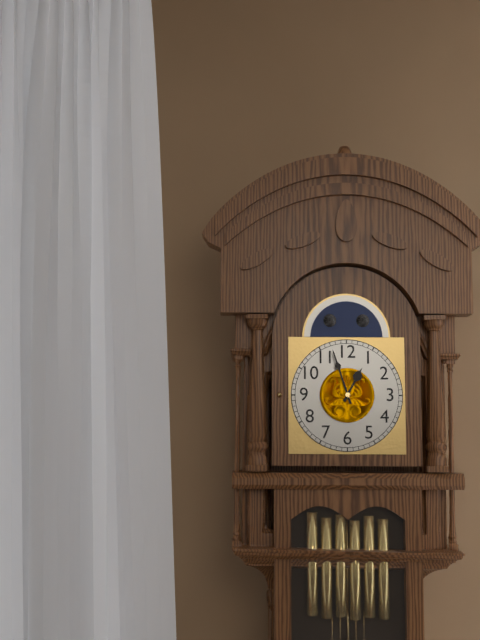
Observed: **12:57**
